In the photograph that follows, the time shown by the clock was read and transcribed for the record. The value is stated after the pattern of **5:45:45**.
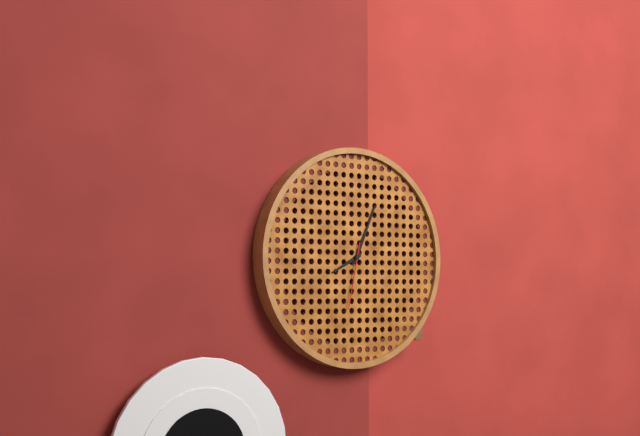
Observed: **8:04:32**
